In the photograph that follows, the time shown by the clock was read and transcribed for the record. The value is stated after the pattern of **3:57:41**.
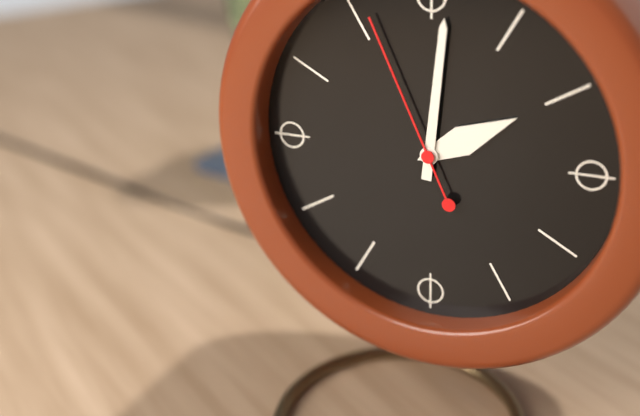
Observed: **2:01:56**
